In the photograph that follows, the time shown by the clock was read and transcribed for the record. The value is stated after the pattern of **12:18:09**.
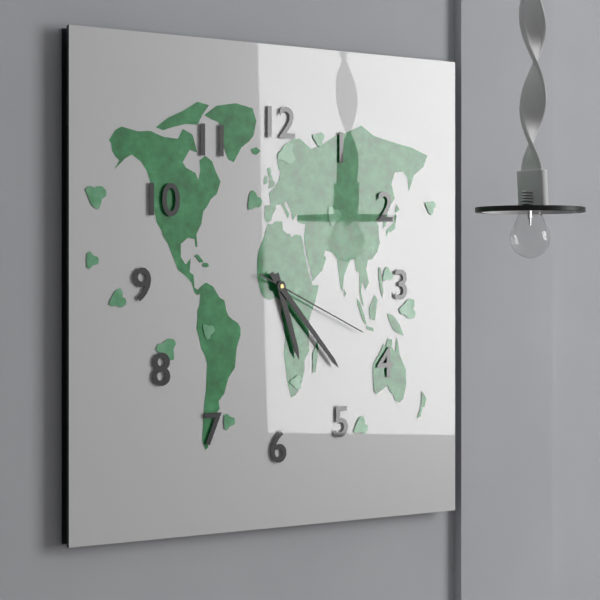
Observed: **5:23:19**
